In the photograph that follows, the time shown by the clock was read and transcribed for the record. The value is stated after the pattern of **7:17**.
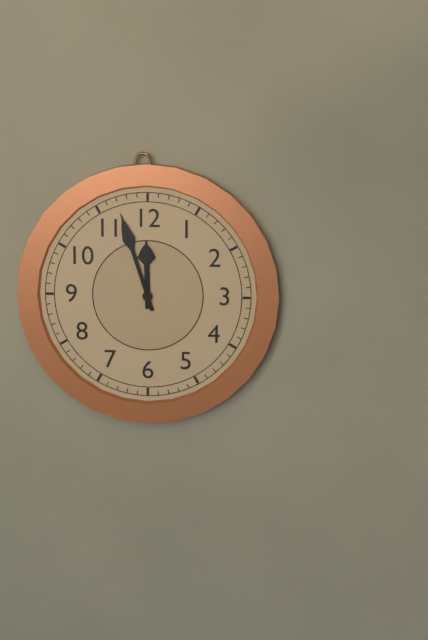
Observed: **11:57**
